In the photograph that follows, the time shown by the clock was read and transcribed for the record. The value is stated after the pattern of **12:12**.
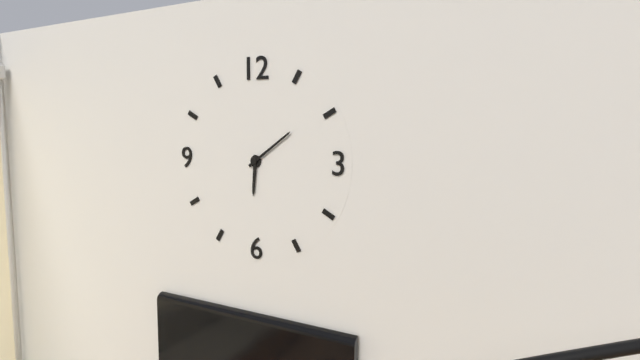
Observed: **6:09**
